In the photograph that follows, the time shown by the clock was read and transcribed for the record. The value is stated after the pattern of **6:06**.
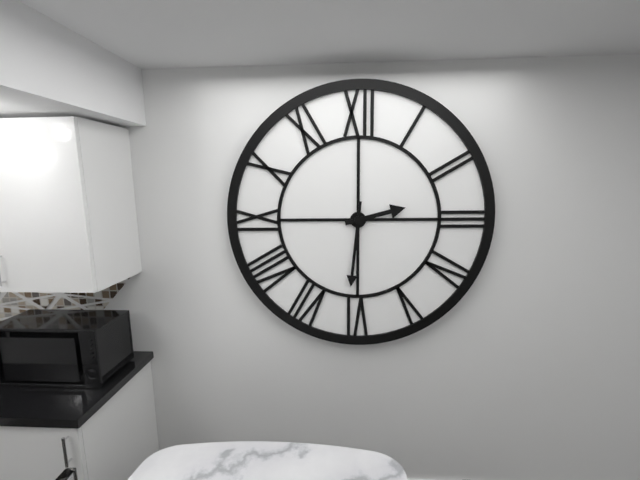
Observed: **2:31**
